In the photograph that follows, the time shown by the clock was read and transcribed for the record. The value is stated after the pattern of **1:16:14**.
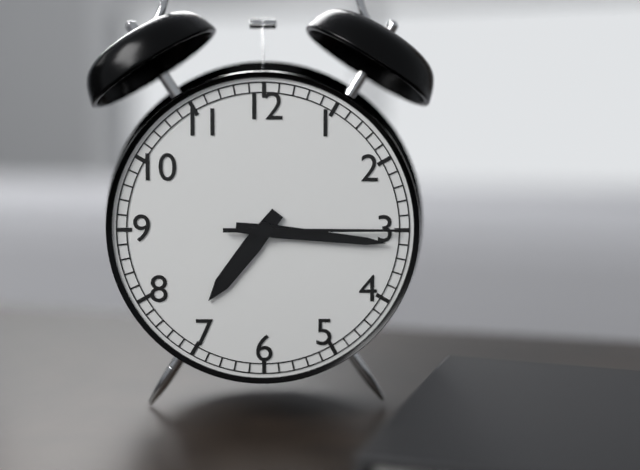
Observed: **7:16:15**
